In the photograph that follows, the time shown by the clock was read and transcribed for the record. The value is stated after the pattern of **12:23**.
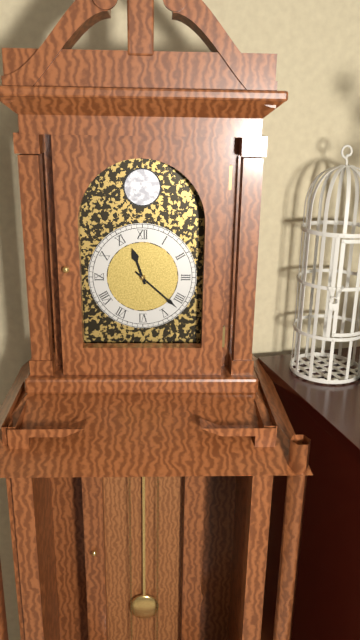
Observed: **11:22**
